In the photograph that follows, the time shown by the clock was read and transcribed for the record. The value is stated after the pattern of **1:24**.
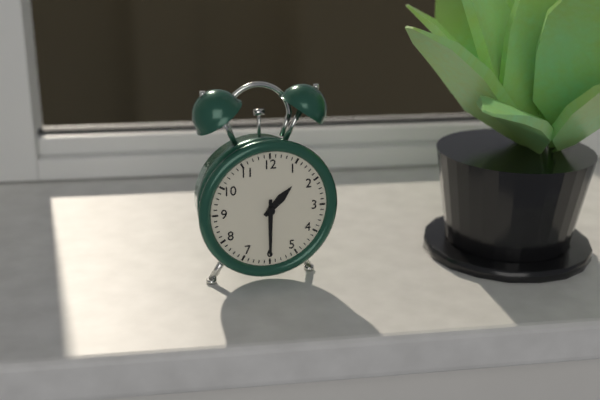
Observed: **1:30**
